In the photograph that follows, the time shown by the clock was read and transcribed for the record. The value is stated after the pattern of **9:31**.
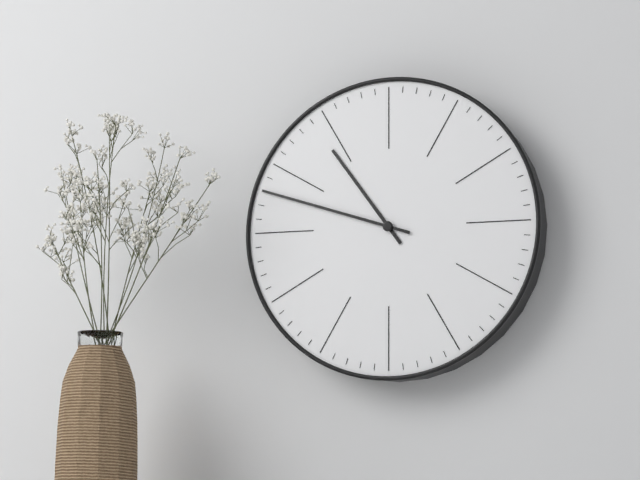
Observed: **10:48**
